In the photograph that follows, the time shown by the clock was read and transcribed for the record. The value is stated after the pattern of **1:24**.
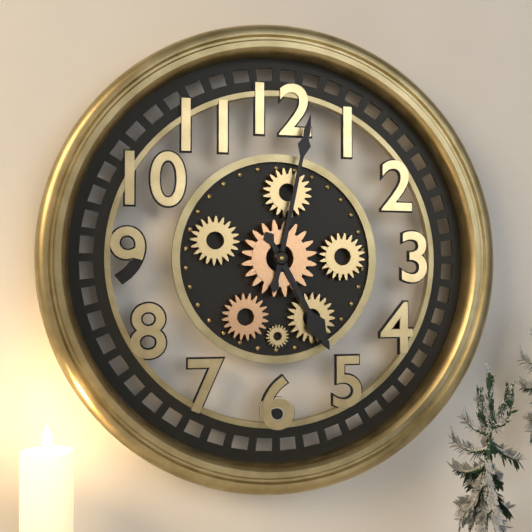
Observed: **5:02**
